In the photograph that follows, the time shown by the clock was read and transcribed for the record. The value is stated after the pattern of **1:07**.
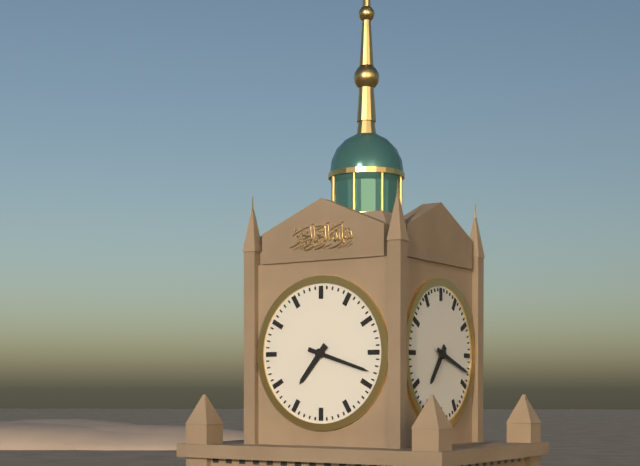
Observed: **7:18**
